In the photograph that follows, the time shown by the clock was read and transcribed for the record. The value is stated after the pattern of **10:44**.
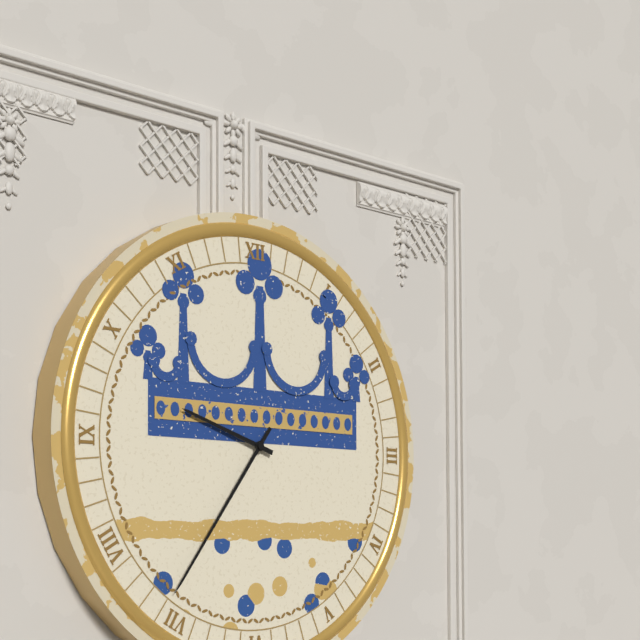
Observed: **9:36**
